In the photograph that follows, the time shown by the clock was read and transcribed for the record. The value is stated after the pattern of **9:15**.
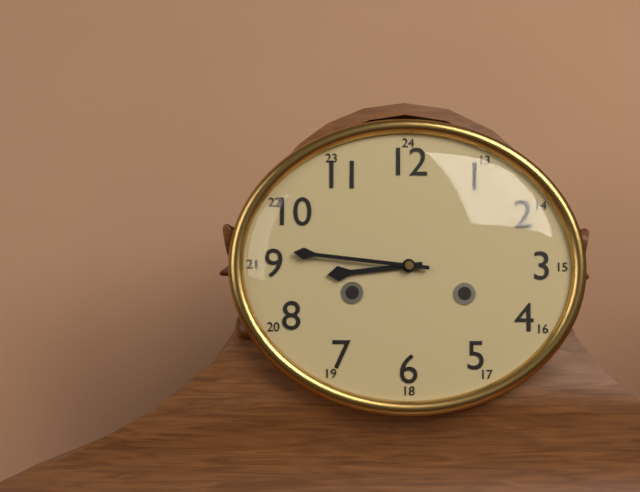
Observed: **8:46**
